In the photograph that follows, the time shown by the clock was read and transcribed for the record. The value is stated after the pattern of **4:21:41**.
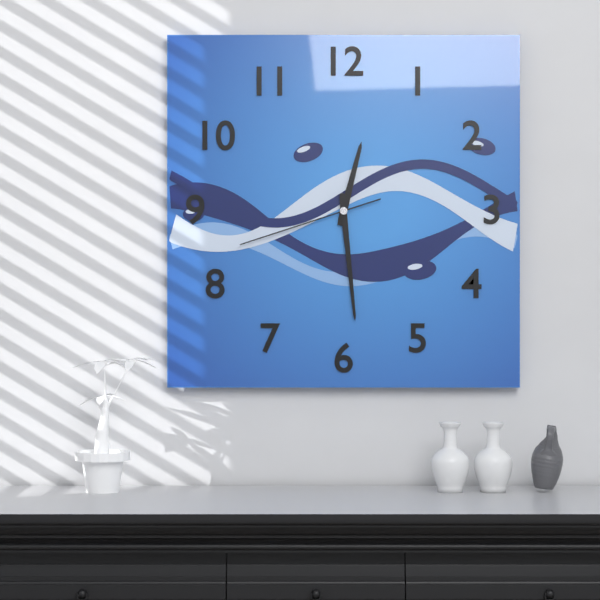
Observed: **12:29:42**
